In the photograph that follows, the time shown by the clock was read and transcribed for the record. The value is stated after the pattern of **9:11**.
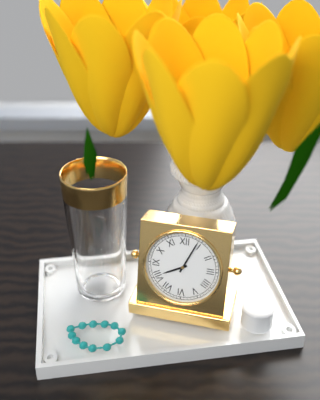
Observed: **8:04**
